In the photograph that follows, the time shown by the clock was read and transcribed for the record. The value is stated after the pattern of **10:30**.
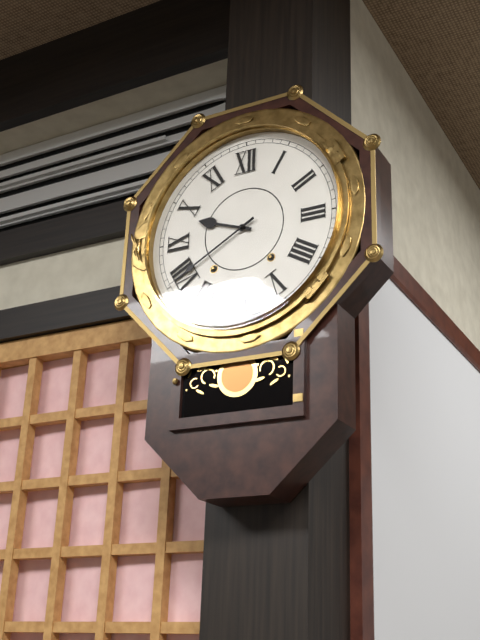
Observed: **9:40**
